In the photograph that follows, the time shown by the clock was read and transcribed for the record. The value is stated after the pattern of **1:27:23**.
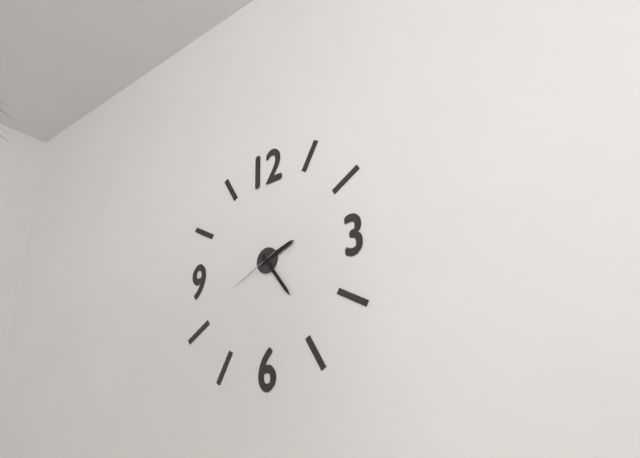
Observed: **2:24:41**
